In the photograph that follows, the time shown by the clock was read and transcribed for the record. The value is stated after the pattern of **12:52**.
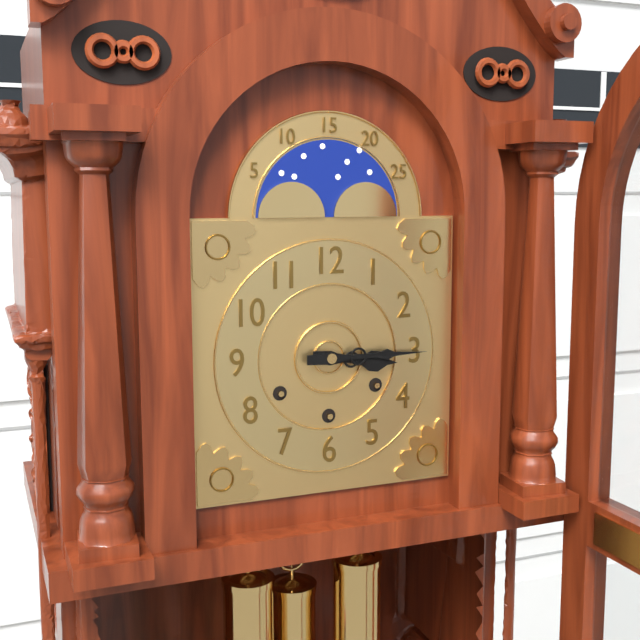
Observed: **3:15**
